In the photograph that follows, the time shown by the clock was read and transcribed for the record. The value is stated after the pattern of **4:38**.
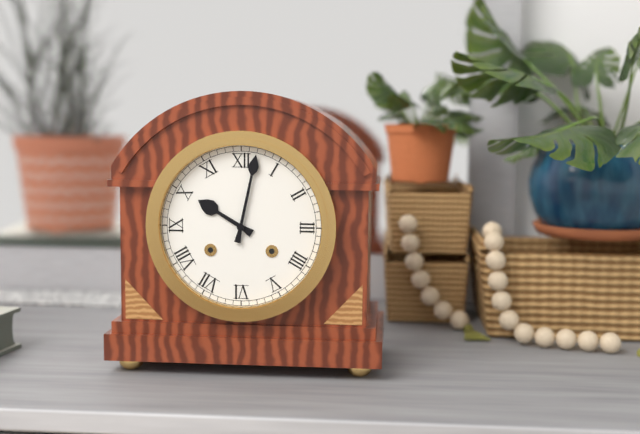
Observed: **10:02**
